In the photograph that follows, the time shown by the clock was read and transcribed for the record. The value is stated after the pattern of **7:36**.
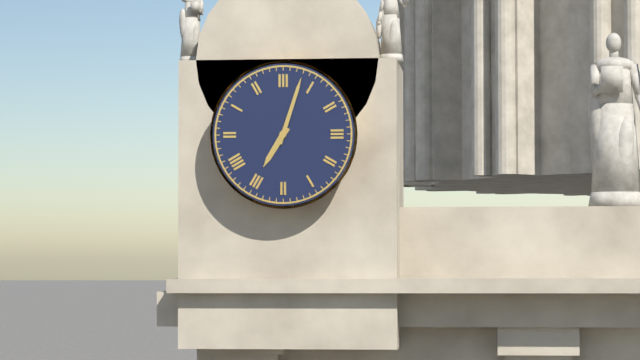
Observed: **7:03**
